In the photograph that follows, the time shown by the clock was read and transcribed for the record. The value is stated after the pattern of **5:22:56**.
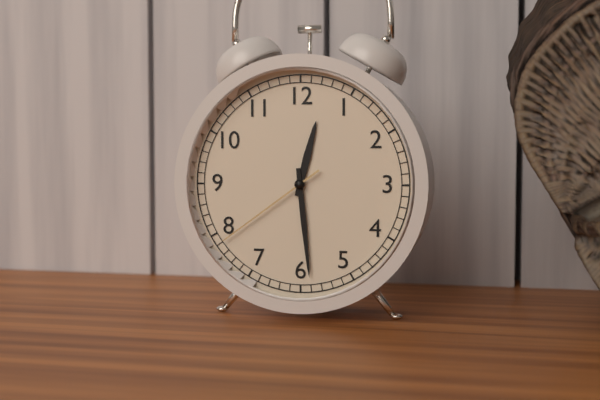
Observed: **12:29:39**
